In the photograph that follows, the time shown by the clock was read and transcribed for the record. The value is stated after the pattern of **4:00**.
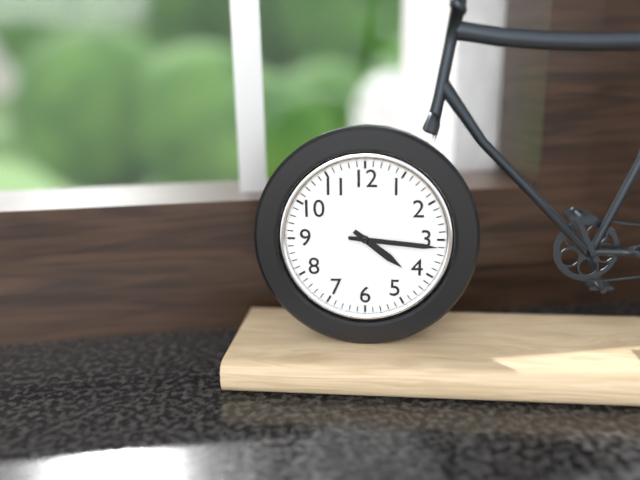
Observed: **4:16**
